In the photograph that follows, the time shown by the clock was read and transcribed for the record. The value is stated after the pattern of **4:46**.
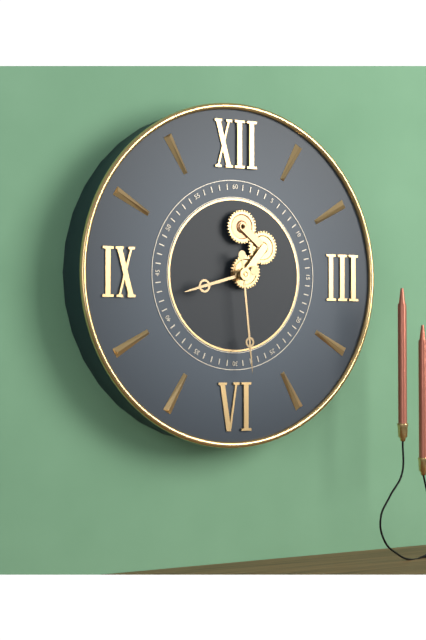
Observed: **8:29**
